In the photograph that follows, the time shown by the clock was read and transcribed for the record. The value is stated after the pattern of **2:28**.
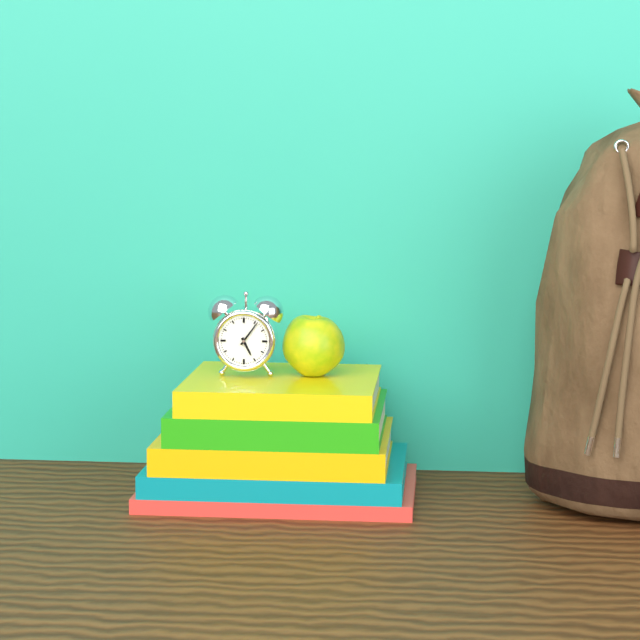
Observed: **5:06**
